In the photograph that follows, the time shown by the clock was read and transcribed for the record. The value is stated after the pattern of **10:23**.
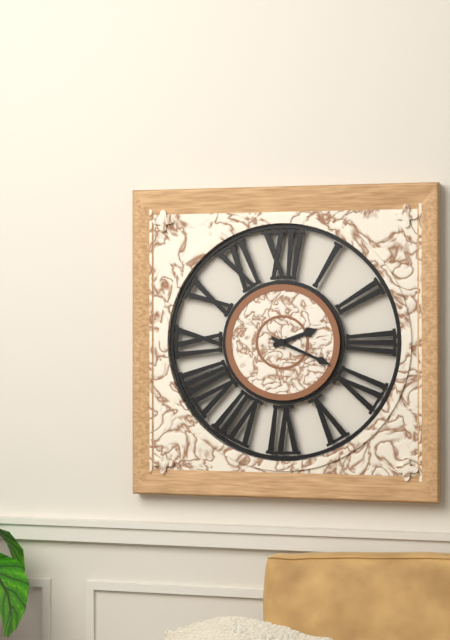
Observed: **2:19**
